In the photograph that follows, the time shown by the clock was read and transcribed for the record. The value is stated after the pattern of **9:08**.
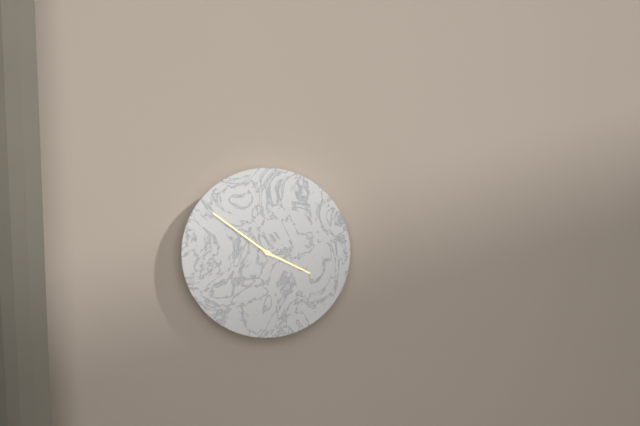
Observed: **3:51**
